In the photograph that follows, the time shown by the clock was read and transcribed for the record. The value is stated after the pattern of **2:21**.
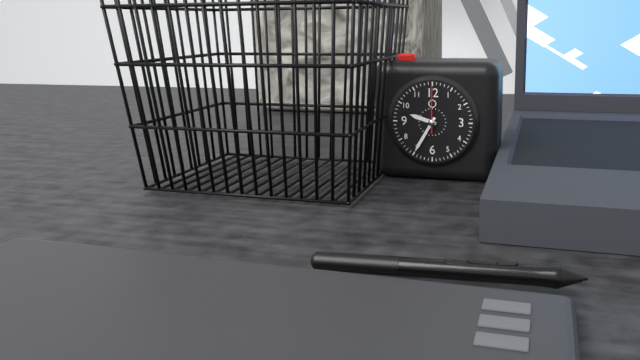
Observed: **9:35**
